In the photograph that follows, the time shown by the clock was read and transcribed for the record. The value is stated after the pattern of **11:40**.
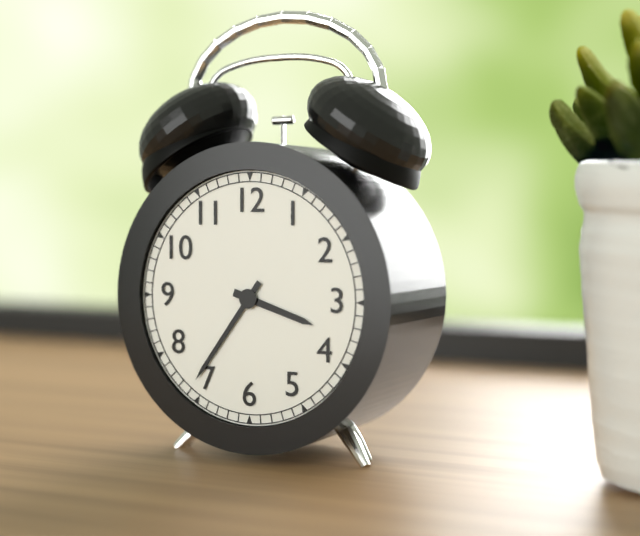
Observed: **3:36**
